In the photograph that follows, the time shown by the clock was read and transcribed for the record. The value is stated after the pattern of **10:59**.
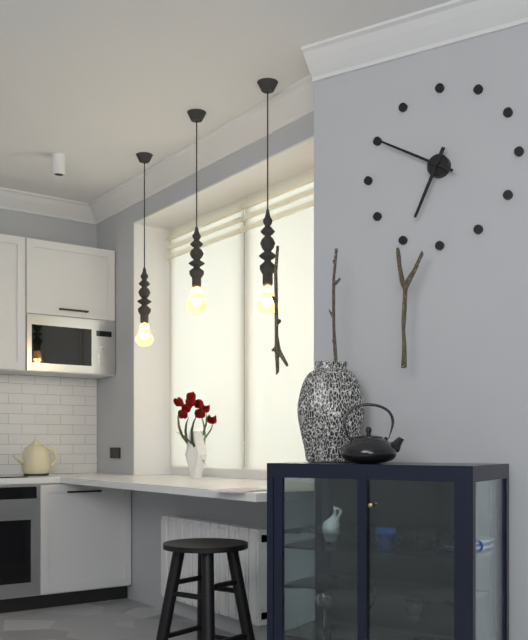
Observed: **6:50**
